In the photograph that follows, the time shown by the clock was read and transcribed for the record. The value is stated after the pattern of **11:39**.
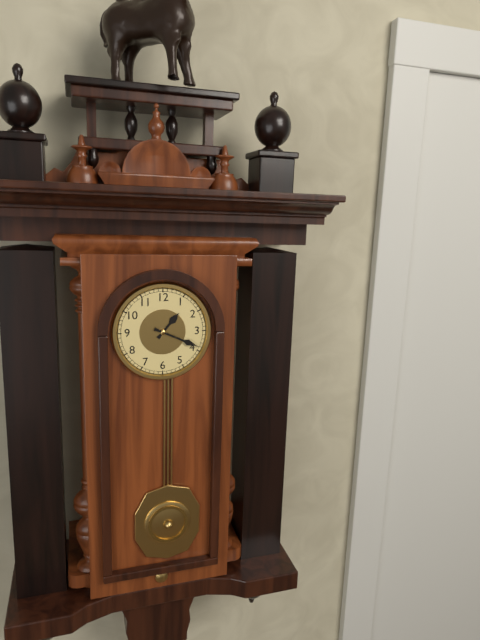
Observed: **1:19**
